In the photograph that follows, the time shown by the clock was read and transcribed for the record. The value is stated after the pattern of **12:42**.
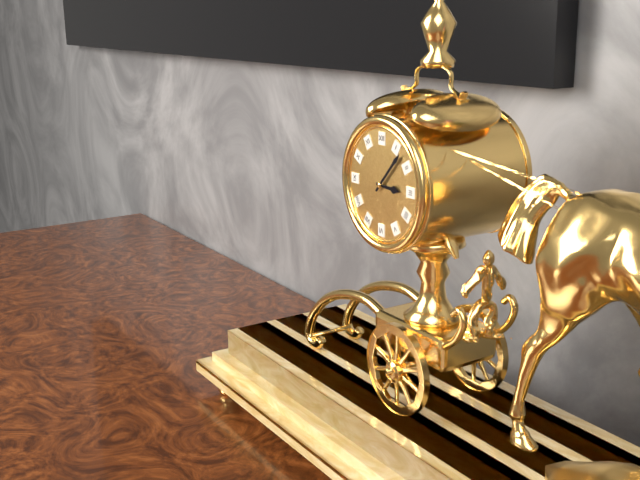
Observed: **3:07**
